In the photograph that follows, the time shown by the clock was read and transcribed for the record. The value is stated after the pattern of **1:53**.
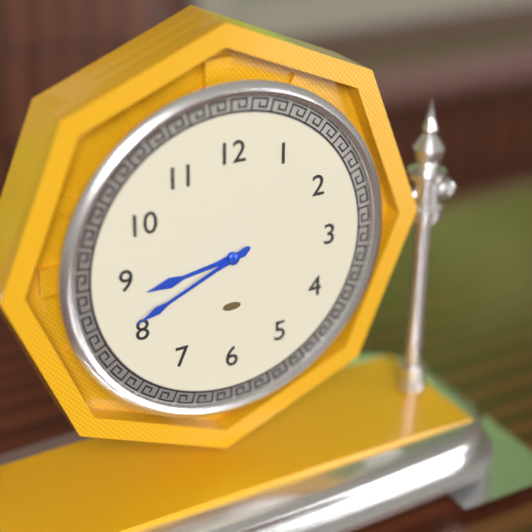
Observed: **8:41**
